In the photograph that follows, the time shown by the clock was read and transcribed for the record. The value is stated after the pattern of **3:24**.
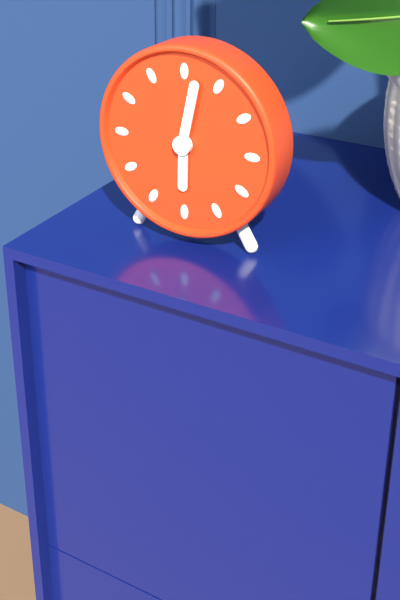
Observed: **6:02**
